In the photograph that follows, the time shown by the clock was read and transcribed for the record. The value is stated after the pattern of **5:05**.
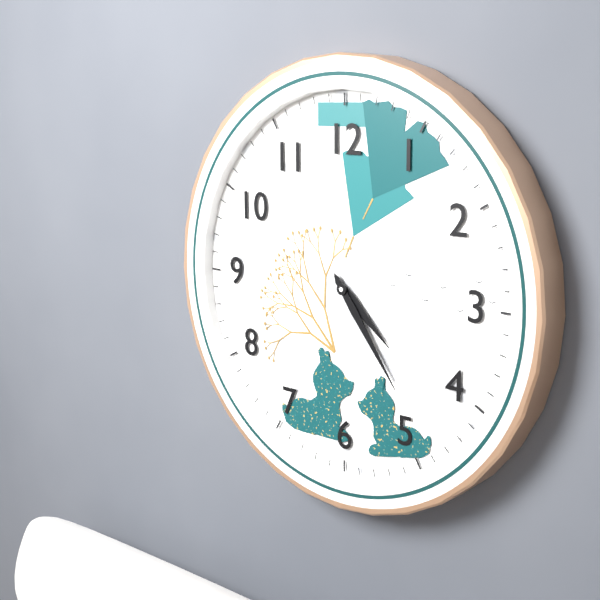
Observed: **4:24**
